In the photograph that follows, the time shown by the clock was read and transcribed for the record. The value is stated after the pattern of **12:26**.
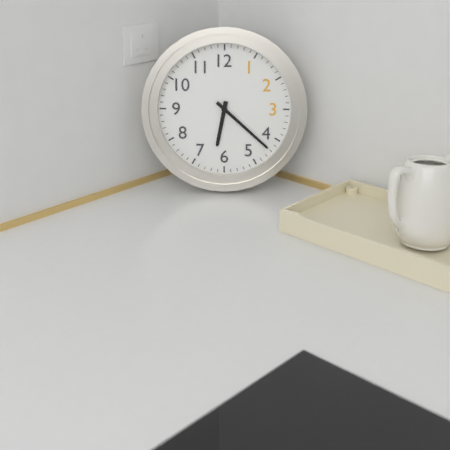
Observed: **6:22**
